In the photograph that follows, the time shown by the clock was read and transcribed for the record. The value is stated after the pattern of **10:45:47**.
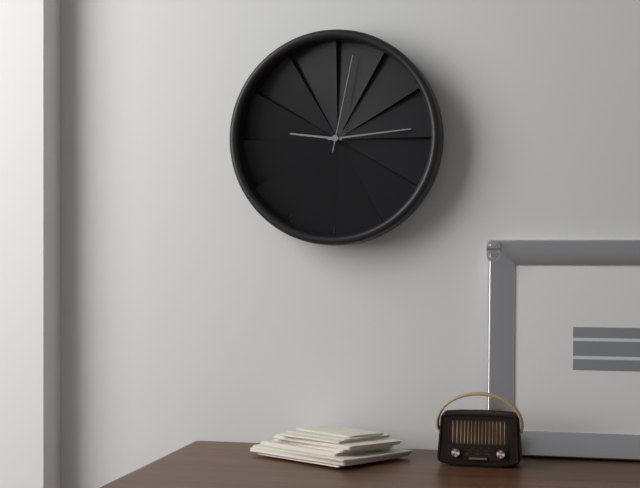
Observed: **9:14:02**
